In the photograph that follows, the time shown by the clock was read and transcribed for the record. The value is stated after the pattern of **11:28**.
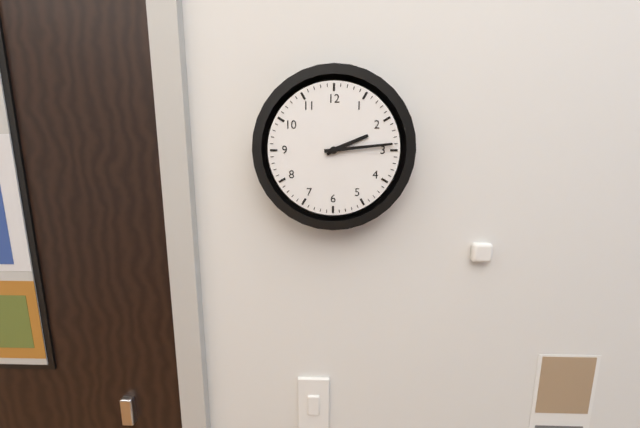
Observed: **2:14**
